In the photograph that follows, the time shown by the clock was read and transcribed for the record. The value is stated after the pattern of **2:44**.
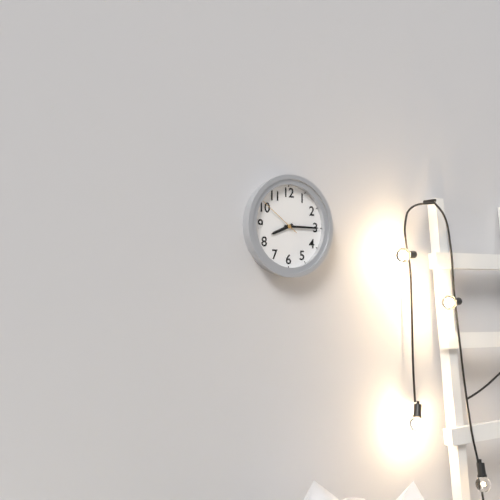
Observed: **8:15**
